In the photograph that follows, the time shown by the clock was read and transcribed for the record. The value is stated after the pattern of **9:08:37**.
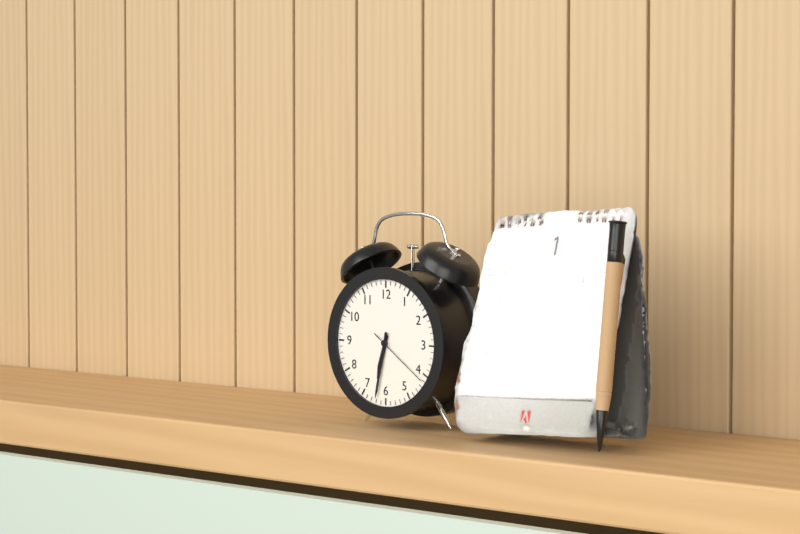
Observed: **6:32:21**
